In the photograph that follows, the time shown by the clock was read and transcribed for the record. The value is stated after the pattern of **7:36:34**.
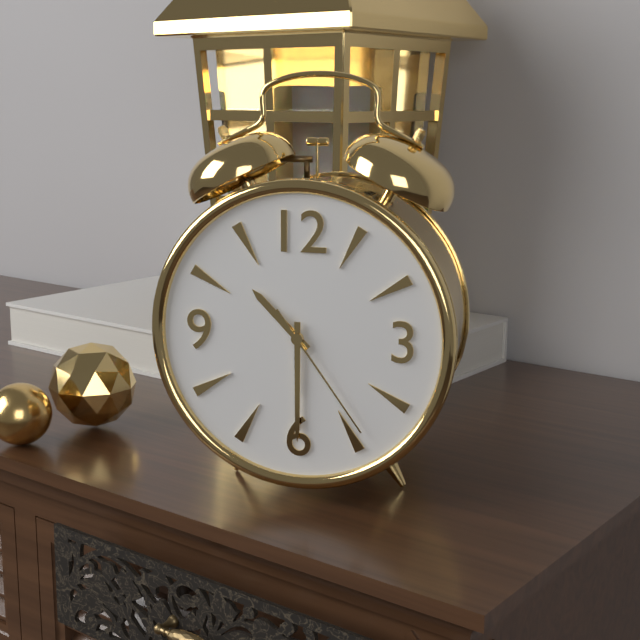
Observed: **10:30:24**
